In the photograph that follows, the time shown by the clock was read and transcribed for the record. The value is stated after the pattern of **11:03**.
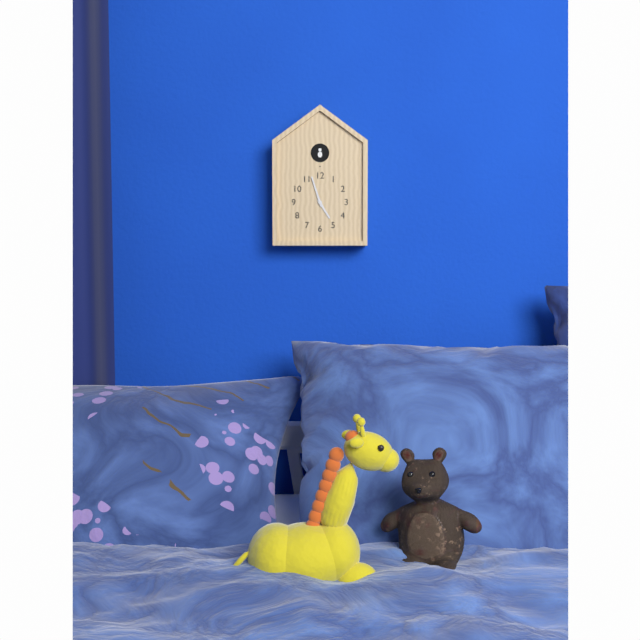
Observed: **4:57**
